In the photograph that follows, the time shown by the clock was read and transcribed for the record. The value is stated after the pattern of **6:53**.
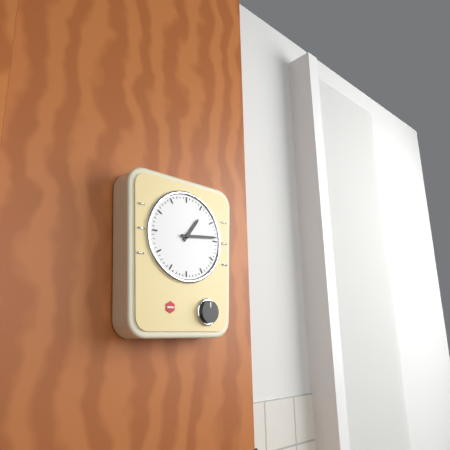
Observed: **1:14**
